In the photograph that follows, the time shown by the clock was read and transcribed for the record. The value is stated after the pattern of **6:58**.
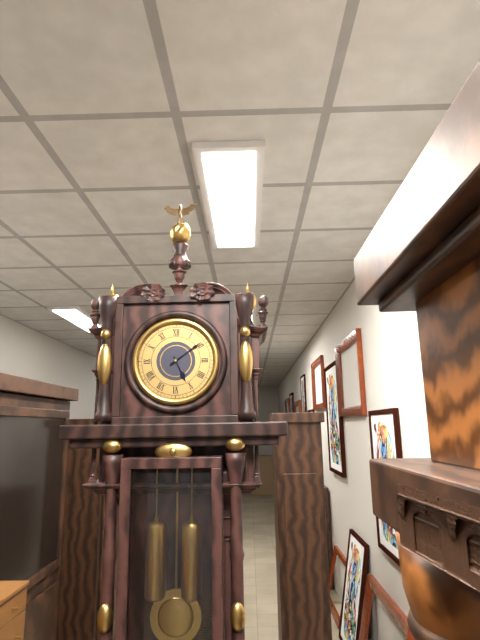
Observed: **5:09**
